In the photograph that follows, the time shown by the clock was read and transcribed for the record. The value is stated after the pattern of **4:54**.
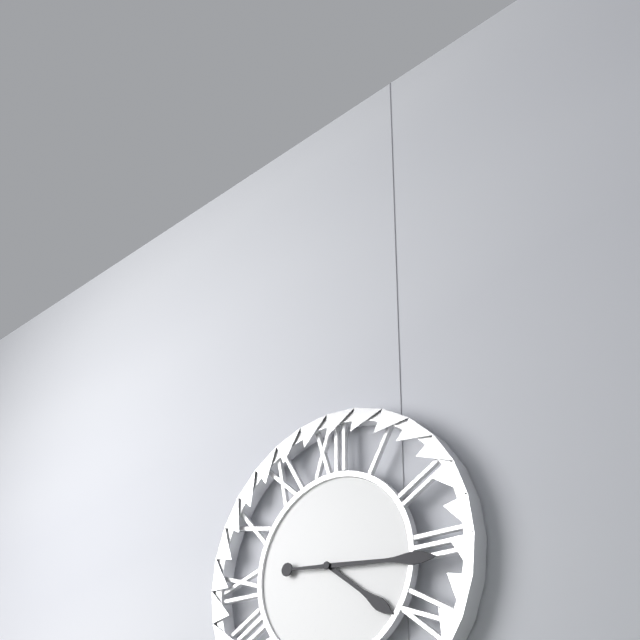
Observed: **4:16**
